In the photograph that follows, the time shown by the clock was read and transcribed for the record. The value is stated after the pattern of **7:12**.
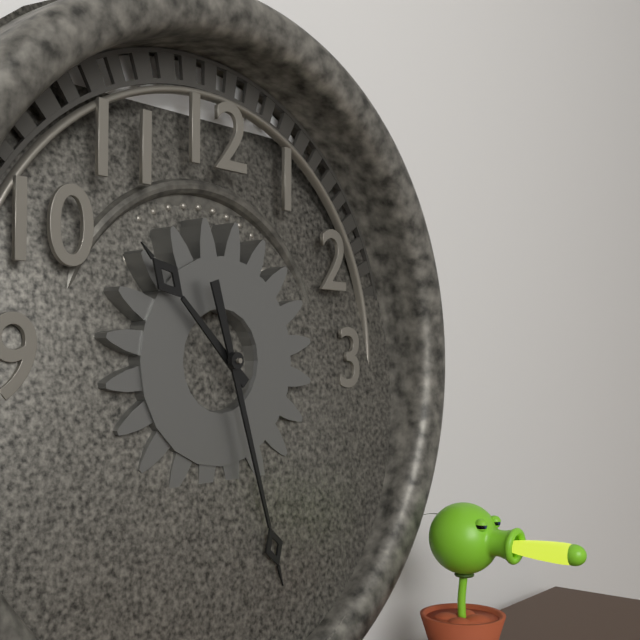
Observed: **10:27**
